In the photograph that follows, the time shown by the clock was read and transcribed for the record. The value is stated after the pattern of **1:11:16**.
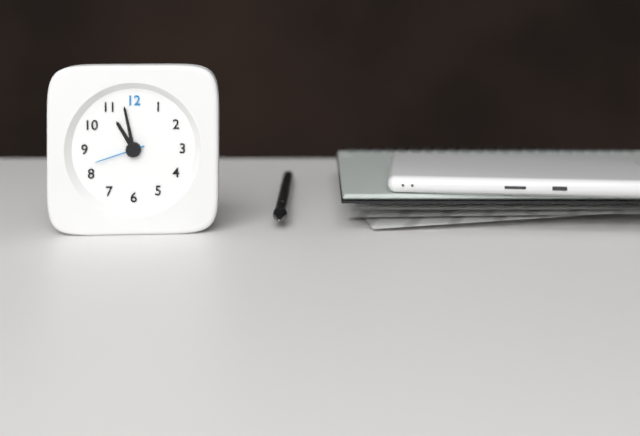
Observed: **10:58:42**
